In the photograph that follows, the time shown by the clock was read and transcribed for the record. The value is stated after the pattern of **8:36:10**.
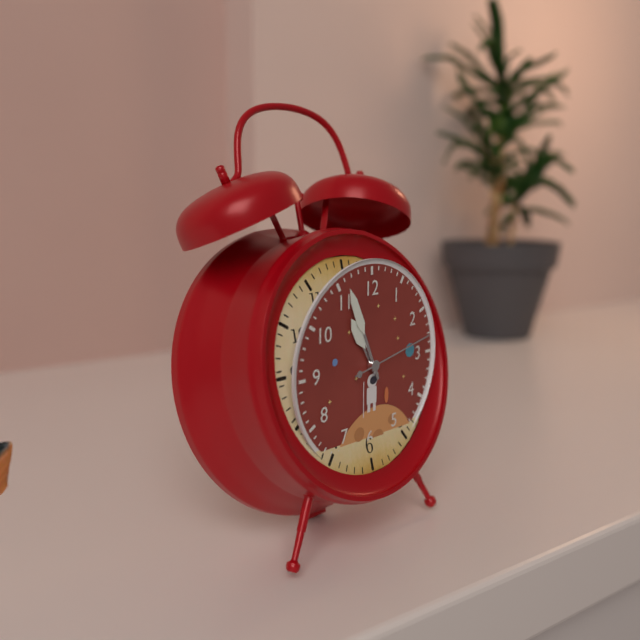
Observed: **10:56:13**
